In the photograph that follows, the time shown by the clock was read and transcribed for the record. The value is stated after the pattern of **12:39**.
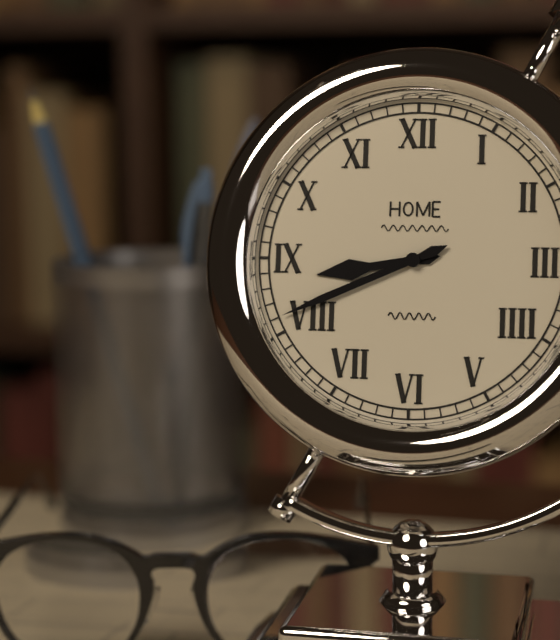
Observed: **8:41**
